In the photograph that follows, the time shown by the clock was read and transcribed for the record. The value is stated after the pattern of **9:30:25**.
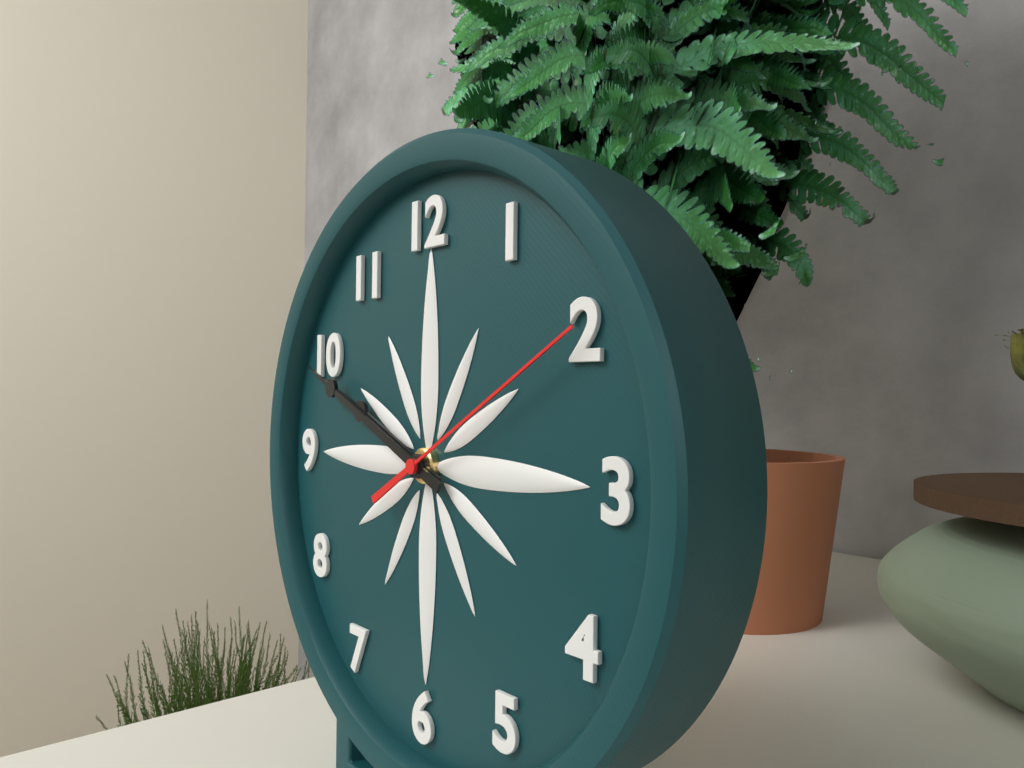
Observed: **9:49:10**
